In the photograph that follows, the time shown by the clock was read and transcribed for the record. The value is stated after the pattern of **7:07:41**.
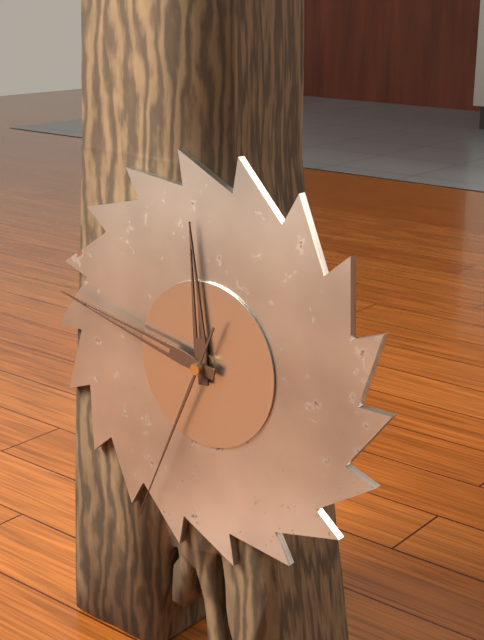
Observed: **11:47:34**
